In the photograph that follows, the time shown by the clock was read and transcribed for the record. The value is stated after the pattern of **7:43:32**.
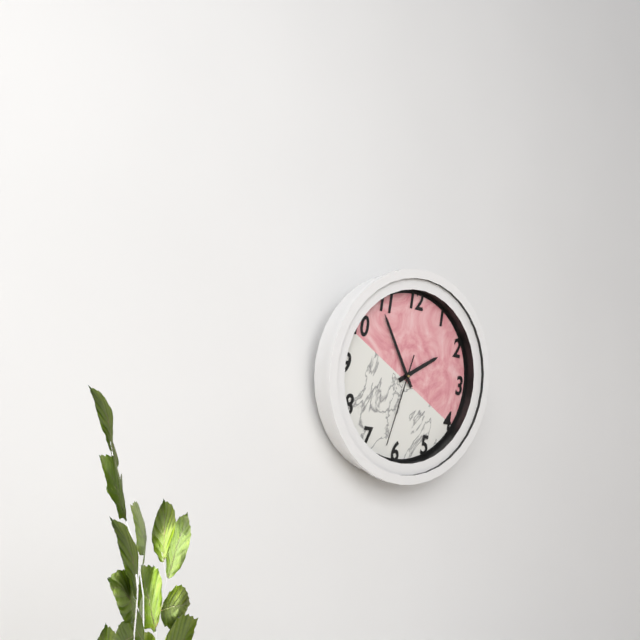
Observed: **1:54:32**
